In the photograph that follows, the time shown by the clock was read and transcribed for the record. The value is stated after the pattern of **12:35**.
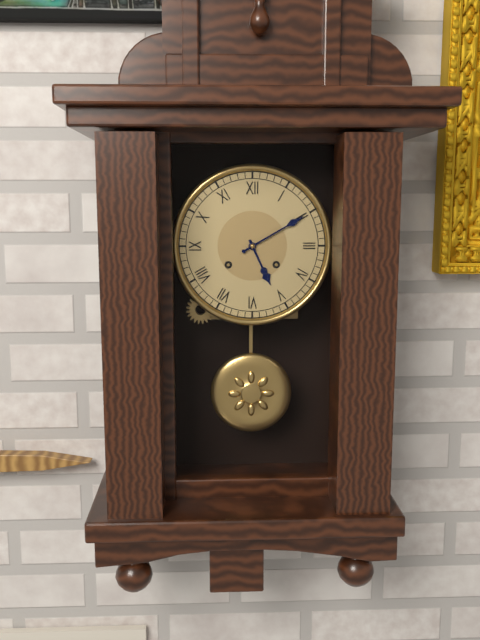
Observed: **5:10**
